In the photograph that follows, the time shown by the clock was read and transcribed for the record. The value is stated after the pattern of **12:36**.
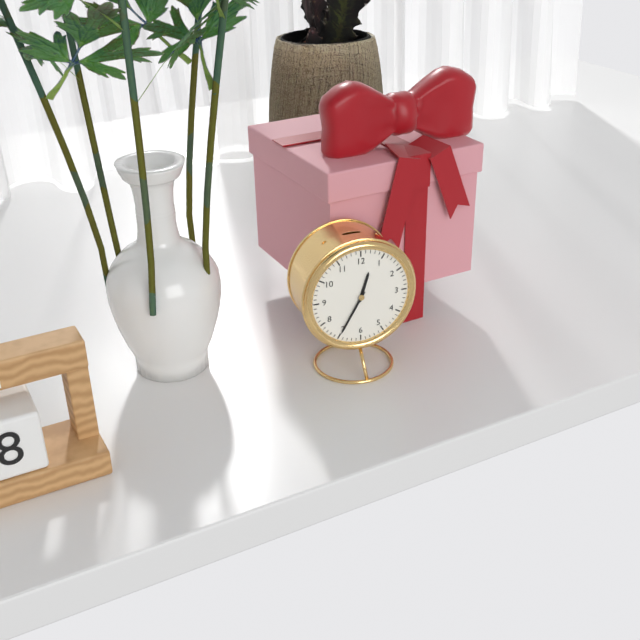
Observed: **12:35**
